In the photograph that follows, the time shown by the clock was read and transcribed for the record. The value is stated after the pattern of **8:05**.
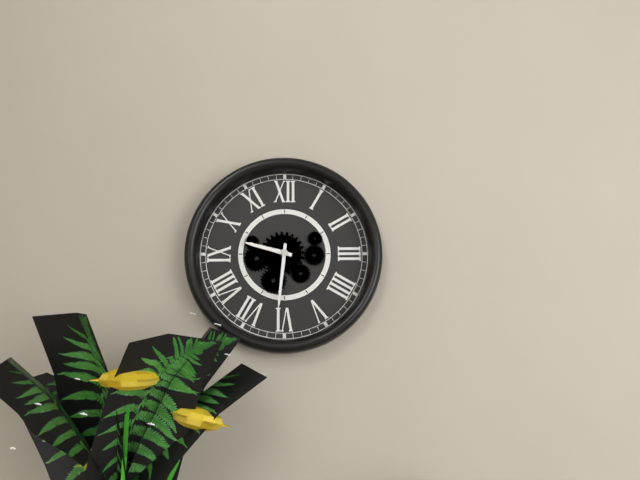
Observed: **9:31**
